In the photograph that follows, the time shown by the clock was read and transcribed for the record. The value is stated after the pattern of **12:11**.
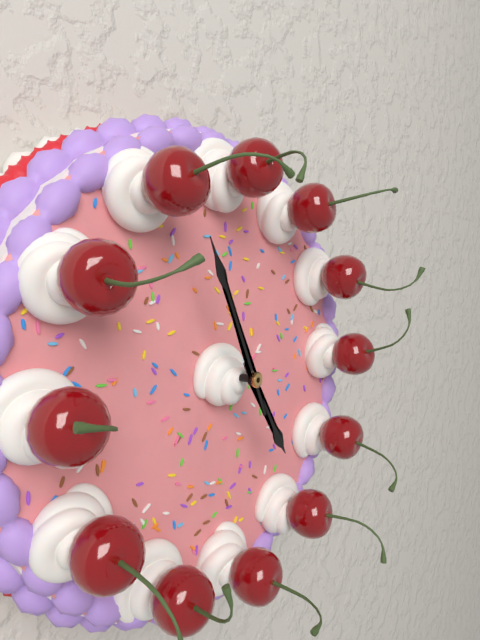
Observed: **4:56**
